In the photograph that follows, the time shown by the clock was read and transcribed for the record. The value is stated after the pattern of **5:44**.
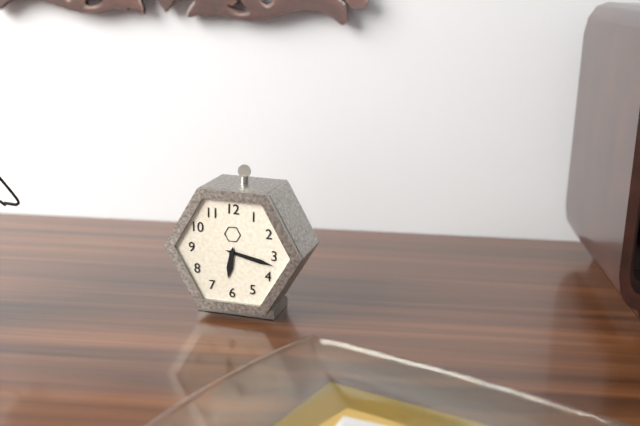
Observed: **6:17**
